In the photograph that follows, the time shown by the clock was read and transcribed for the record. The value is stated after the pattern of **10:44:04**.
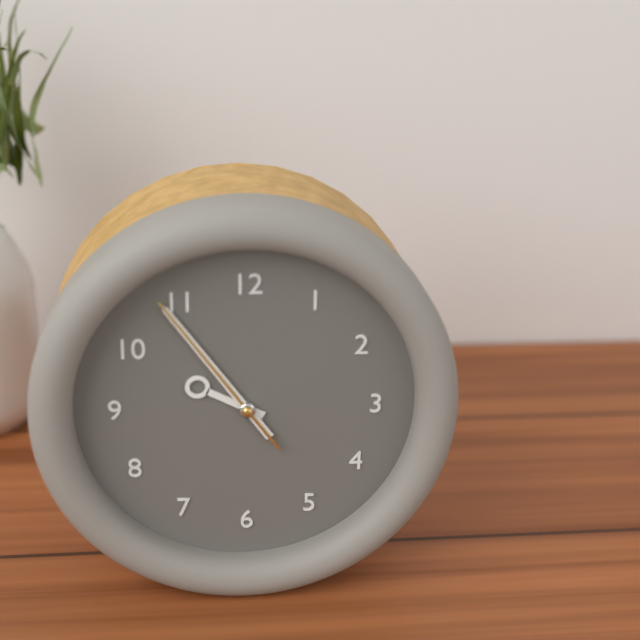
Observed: **9:54:54**
